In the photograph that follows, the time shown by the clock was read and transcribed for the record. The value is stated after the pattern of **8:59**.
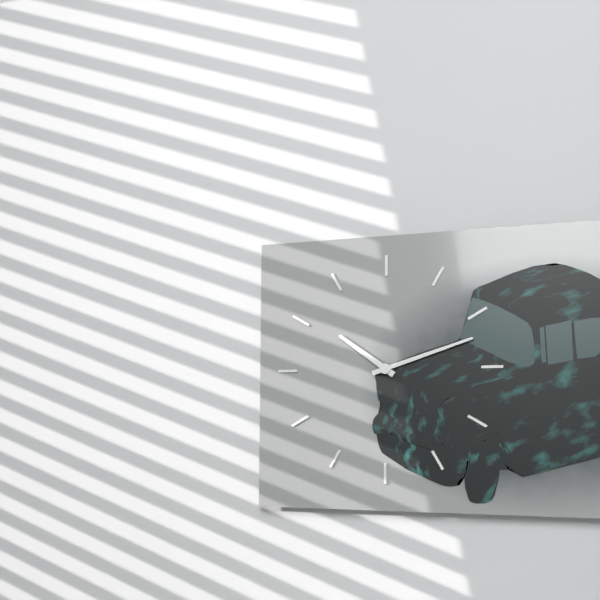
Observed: **10:12**
